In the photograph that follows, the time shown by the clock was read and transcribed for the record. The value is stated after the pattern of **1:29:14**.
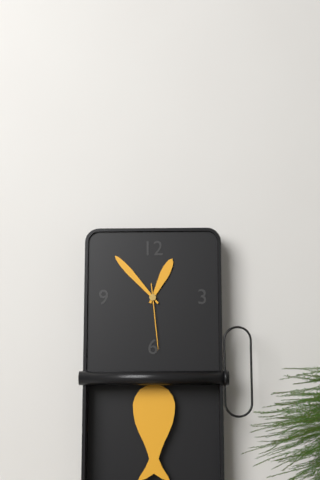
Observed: **12:53:29**
